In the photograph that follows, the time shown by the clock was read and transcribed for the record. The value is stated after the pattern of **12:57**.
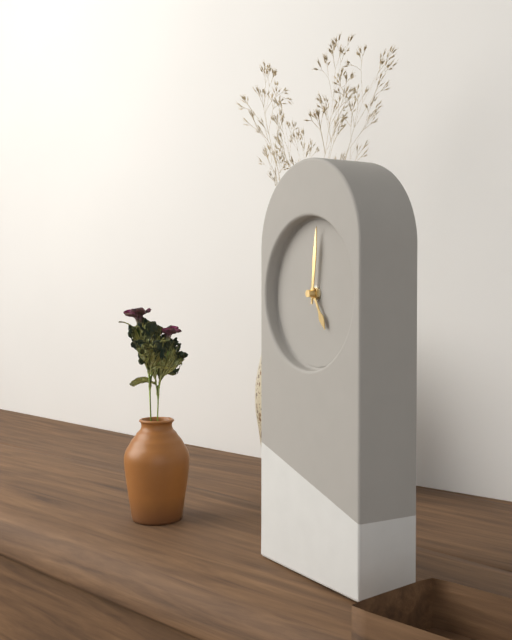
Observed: **5:01**
